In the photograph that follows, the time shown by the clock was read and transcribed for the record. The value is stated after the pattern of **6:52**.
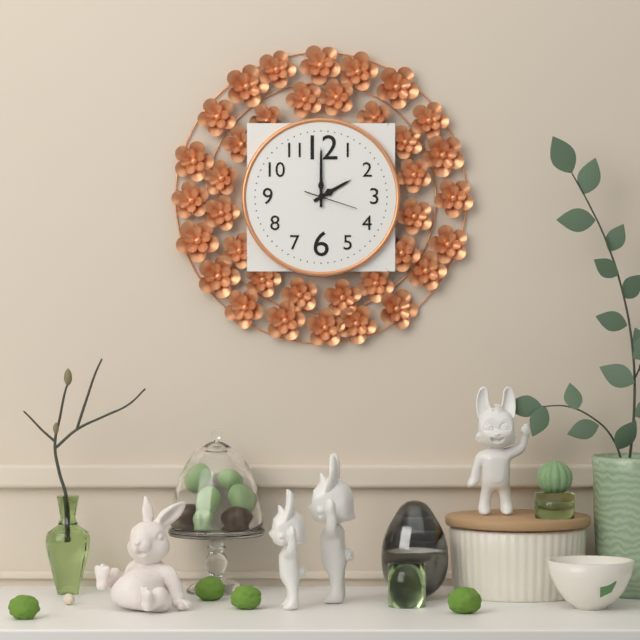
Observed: **2:00**
